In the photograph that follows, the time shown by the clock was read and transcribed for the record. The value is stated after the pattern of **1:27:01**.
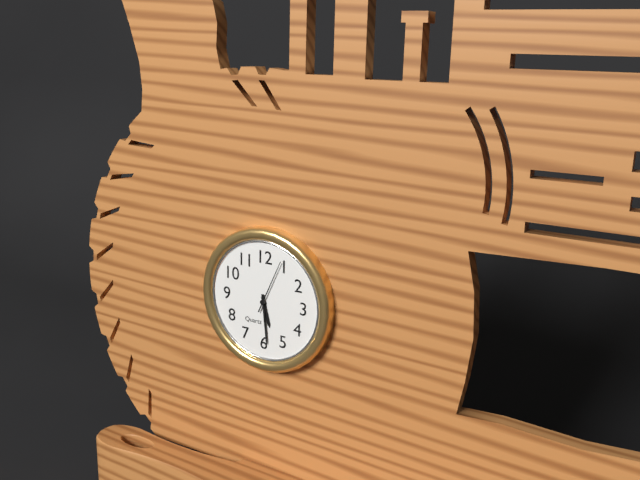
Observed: **5:29:04**
